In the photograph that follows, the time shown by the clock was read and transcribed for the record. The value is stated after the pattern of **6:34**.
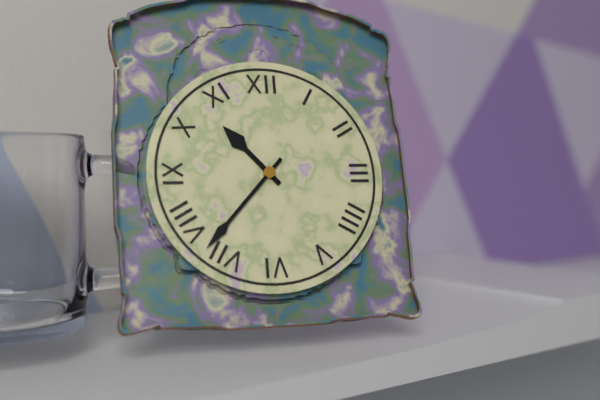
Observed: **10:37**
